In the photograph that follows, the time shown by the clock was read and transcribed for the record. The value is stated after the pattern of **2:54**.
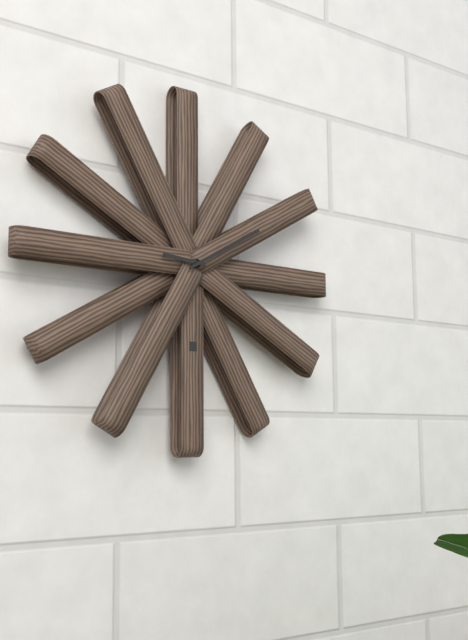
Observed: **9:10**
